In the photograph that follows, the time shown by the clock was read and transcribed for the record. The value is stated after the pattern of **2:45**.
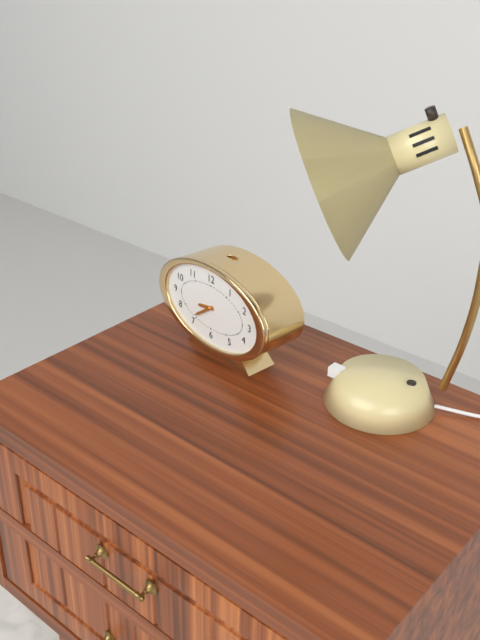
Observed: **8:39**
